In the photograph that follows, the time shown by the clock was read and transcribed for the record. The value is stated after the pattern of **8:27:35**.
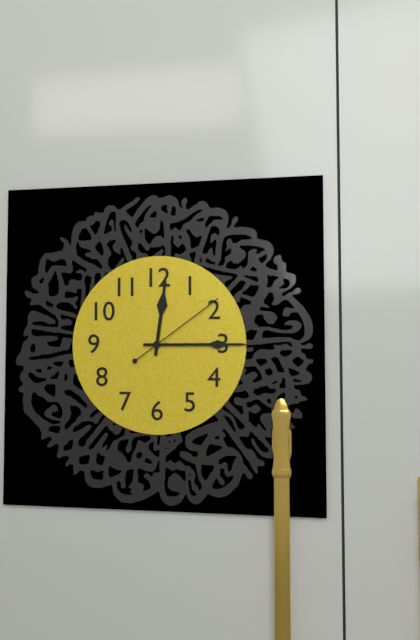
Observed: **12:15:09**
